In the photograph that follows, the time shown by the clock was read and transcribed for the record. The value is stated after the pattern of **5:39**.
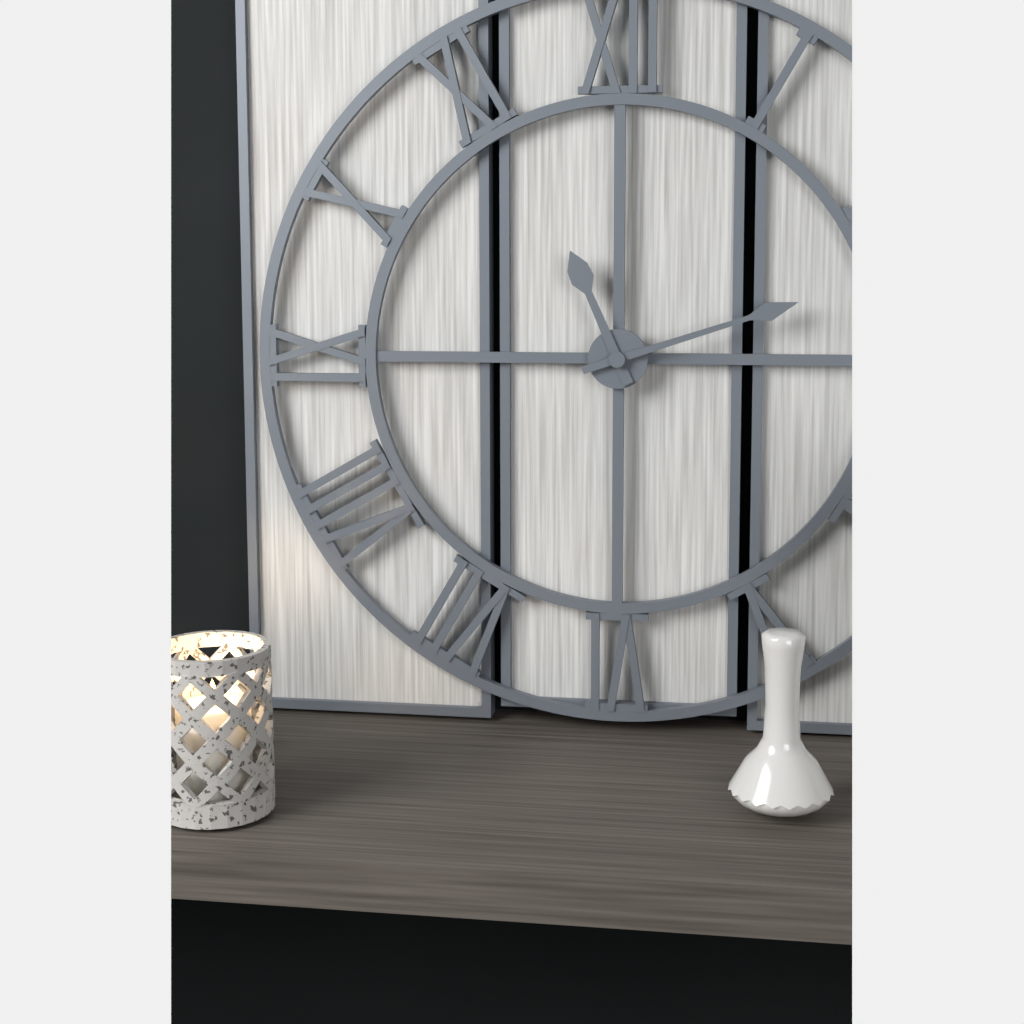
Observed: **11:12**
